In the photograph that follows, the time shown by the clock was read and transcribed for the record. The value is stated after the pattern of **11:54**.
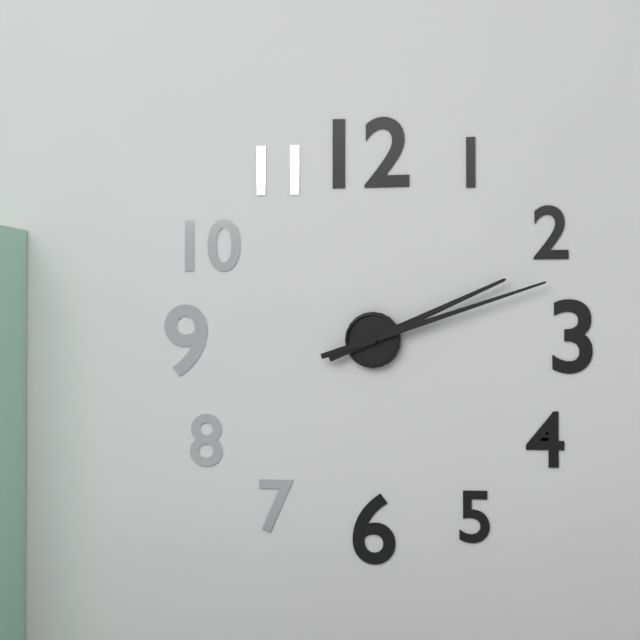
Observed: **2:12**
